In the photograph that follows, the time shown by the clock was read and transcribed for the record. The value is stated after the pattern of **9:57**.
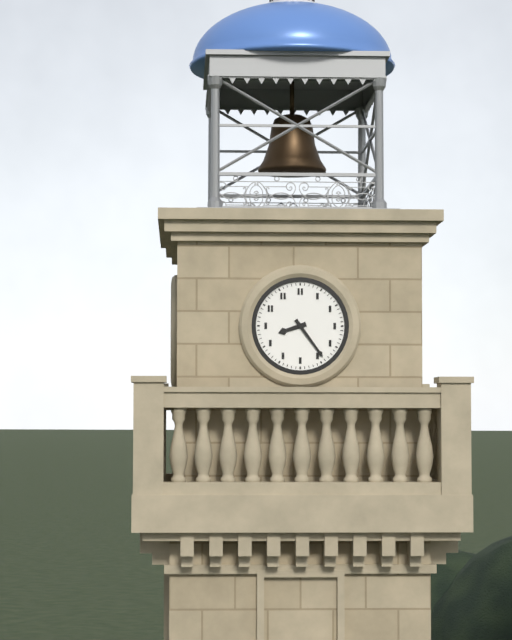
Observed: **8:24**
